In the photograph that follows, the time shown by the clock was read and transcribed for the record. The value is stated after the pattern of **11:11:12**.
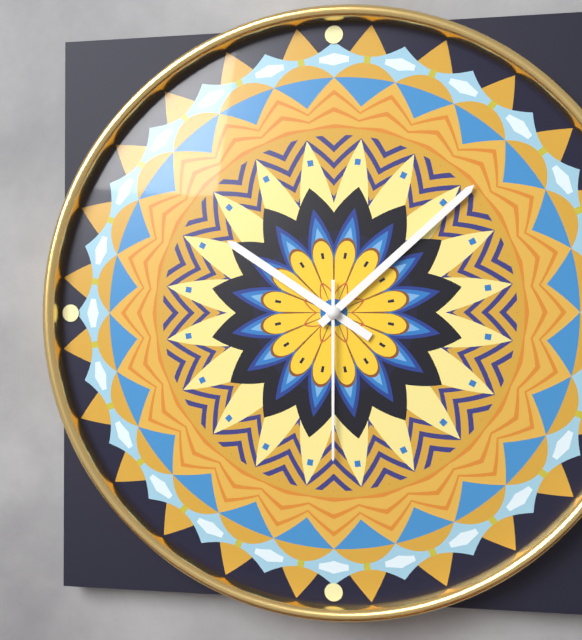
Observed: **10:08:30**
